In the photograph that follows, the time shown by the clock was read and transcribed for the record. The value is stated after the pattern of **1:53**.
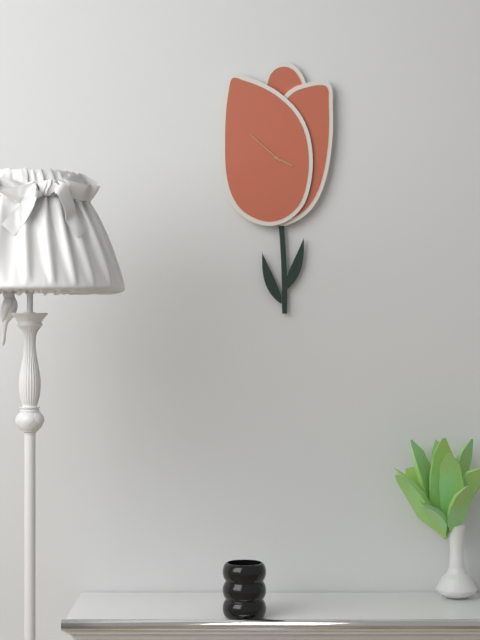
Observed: **3:52**
